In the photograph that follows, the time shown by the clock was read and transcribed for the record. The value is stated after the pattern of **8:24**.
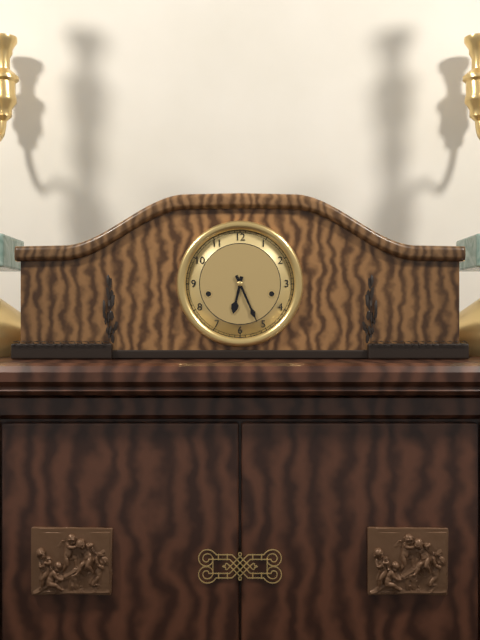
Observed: **6:26**
